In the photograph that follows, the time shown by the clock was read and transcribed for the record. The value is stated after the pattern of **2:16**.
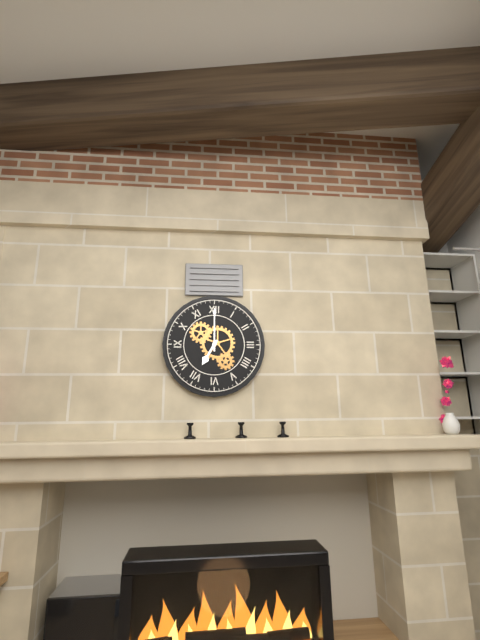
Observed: **7:00**
